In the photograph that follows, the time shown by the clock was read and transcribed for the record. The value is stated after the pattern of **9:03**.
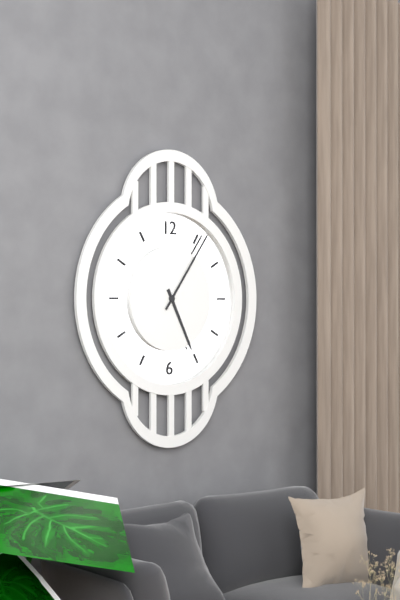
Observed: **5:06**
